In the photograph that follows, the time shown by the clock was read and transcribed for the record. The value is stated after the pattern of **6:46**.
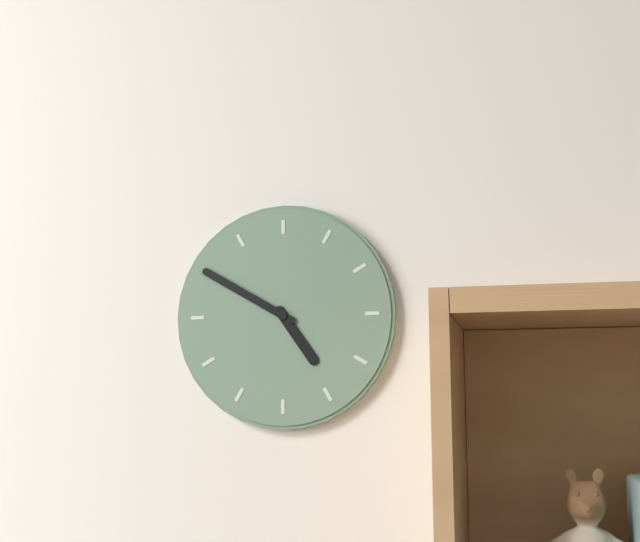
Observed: **4:50**
